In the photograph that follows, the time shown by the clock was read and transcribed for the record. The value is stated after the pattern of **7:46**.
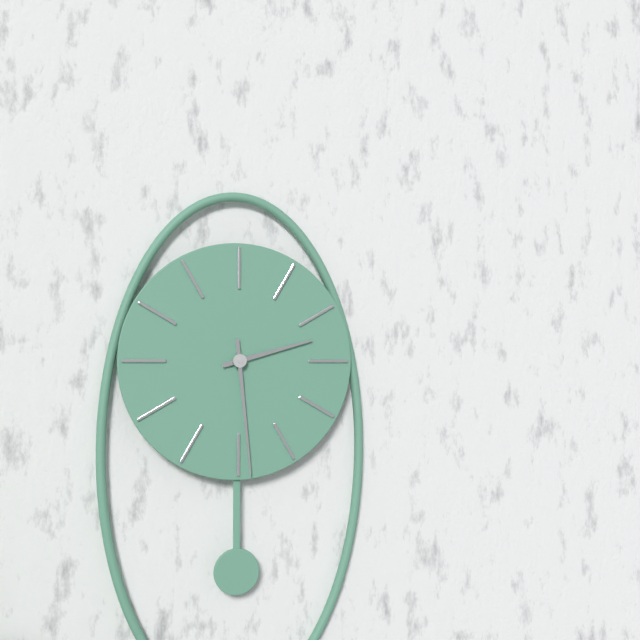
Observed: **2:29**
